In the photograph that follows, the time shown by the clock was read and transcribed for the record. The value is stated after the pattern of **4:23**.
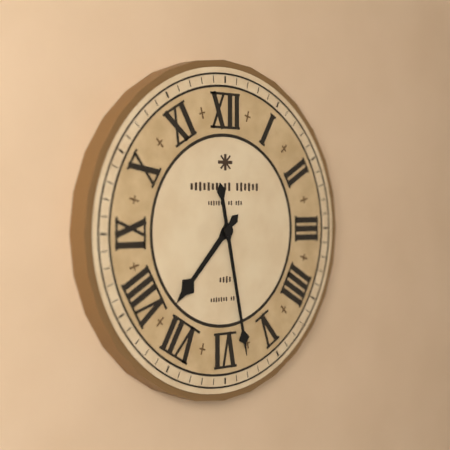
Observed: **7:28**
